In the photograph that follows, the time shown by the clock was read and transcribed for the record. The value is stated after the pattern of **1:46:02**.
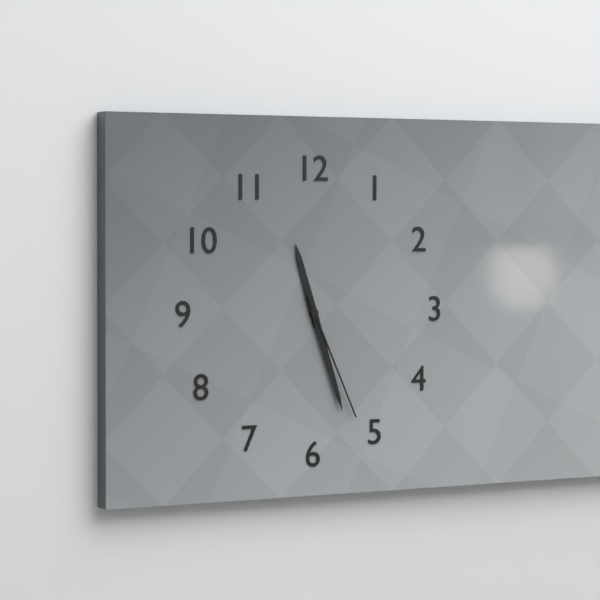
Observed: **11:27:26**
